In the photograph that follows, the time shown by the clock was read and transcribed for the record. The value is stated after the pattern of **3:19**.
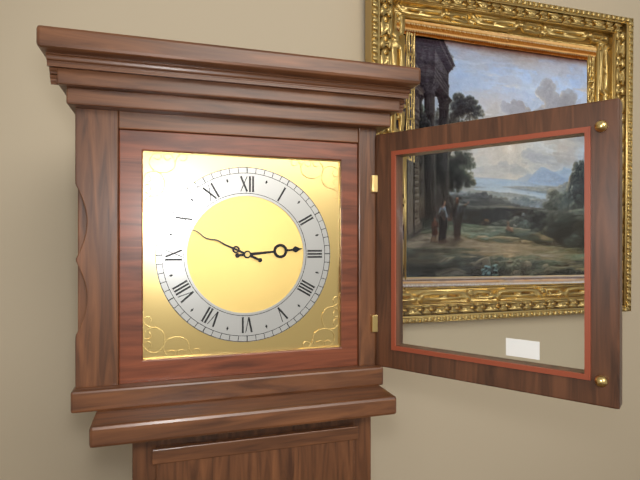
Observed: **2:49**
